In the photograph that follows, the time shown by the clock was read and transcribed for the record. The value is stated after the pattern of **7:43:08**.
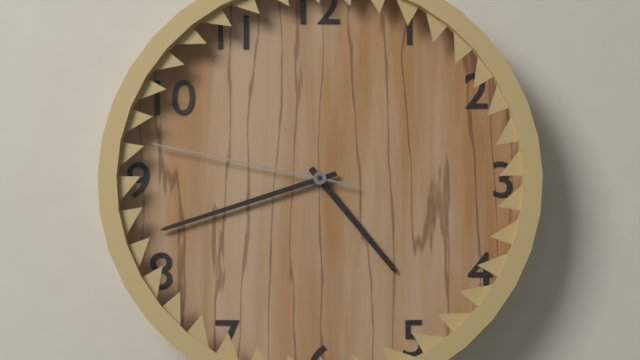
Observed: **4:42:47**
